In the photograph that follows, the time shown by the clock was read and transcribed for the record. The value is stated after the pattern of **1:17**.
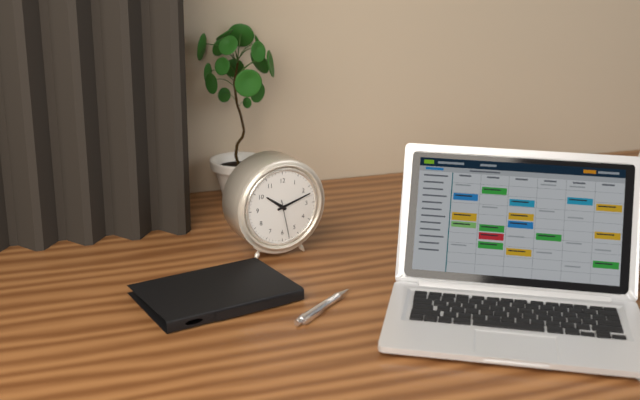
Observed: **10:12**
